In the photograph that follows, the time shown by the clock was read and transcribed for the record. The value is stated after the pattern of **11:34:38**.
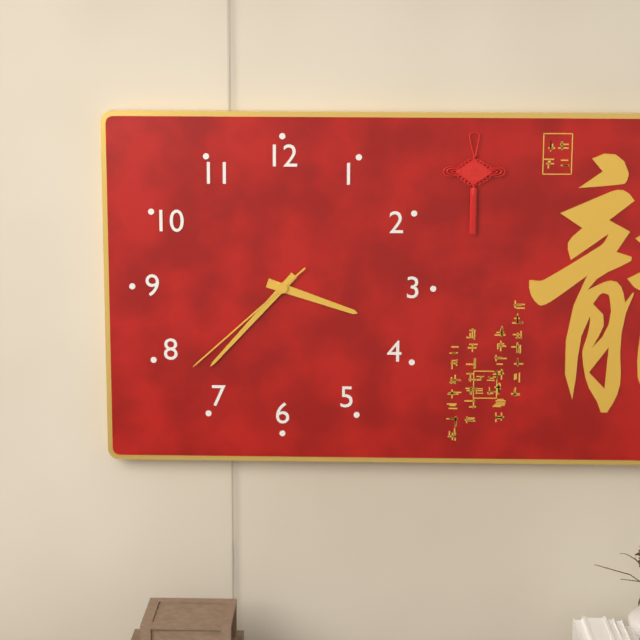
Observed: **3:37:38**
